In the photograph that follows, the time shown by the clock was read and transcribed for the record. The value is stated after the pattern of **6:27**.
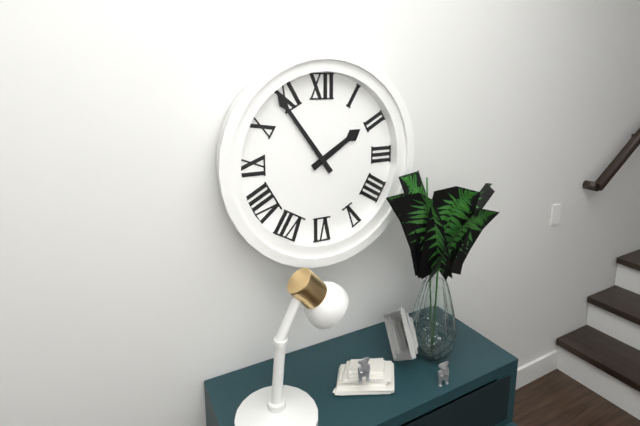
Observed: **1:54**
